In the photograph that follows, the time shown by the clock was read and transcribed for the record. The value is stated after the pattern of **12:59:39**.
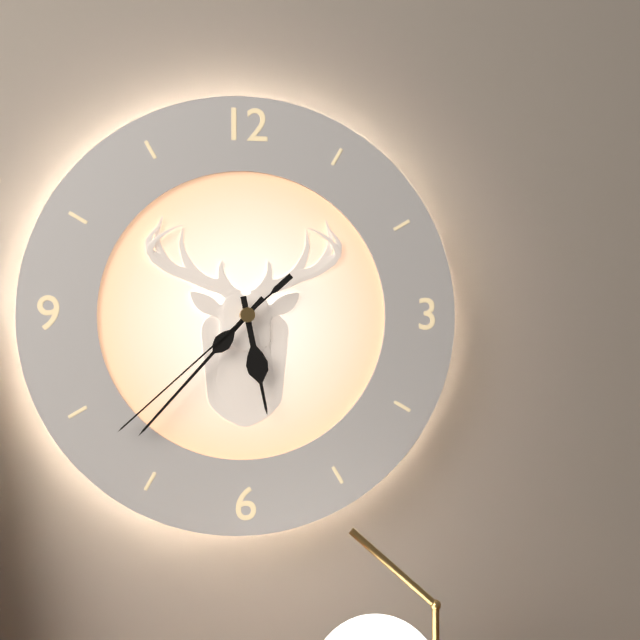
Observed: **5:37:38**
